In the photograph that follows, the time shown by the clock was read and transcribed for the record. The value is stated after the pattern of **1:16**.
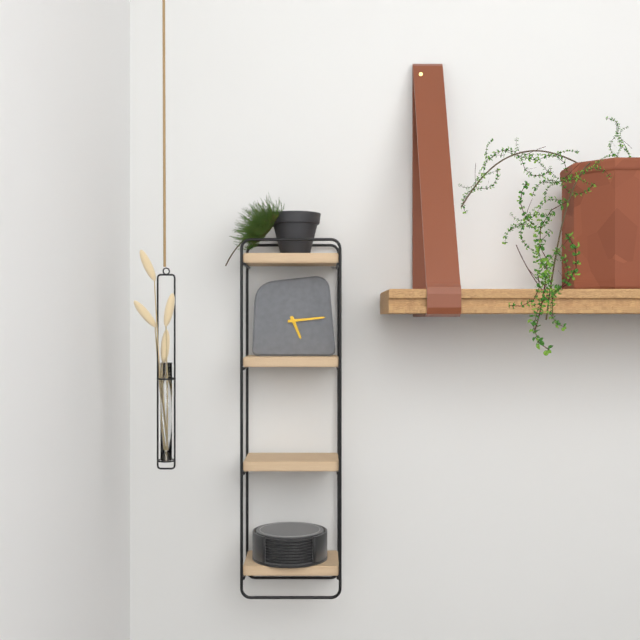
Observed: **5:14**
